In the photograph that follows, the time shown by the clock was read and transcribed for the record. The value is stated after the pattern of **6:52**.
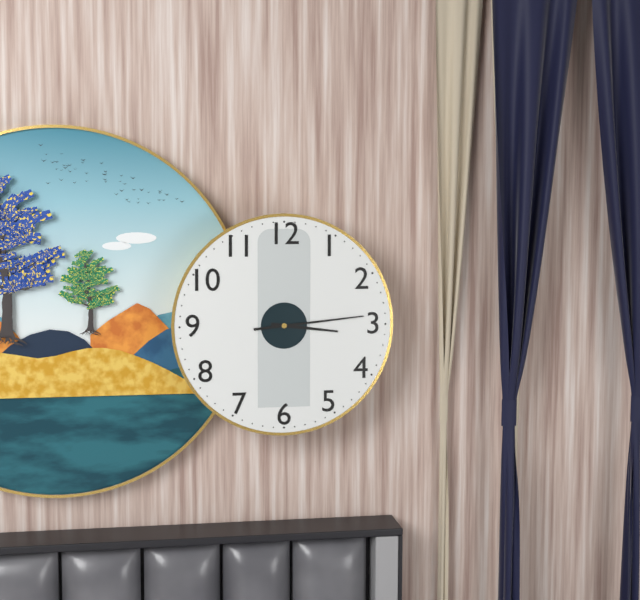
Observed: **3:14**
